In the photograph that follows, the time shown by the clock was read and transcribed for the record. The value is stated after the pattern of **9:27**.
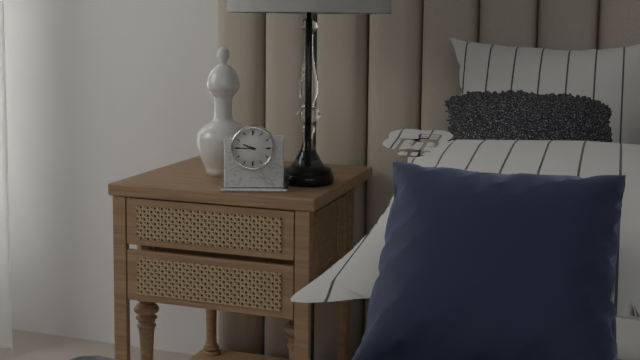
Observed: **9:45**
